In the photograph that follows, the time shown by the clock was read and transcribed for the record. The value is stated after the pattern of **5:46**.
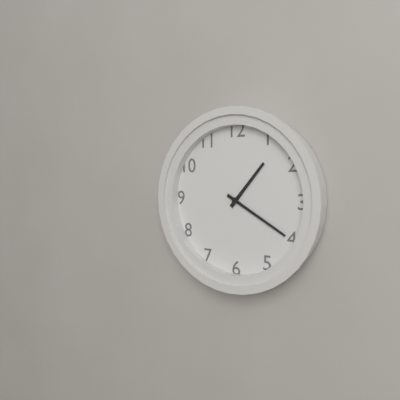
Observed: **1:20**
